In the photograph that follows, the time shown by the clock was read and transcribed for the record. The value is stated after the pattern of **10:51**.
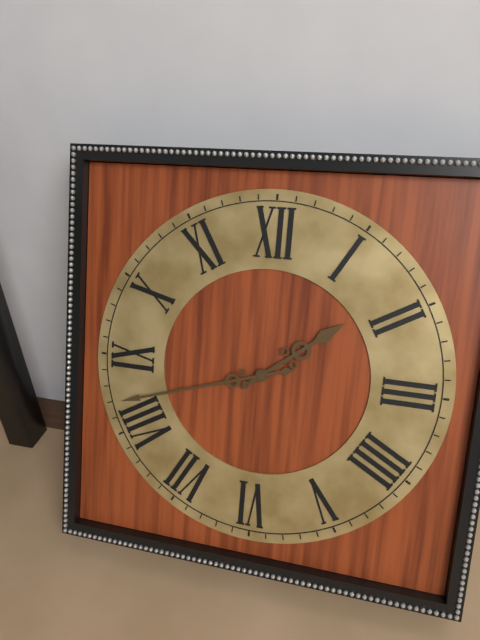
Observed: **1:42**
